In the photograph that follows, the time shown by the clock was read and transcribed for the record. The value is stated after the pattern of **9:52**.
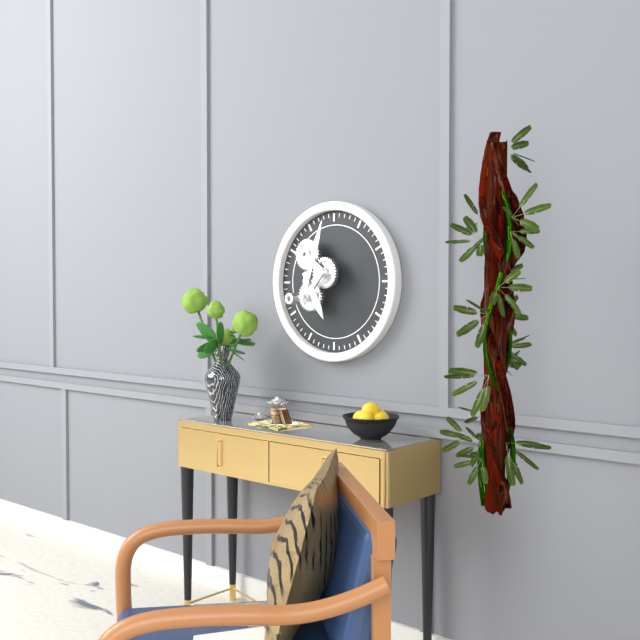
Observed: **5:03**
